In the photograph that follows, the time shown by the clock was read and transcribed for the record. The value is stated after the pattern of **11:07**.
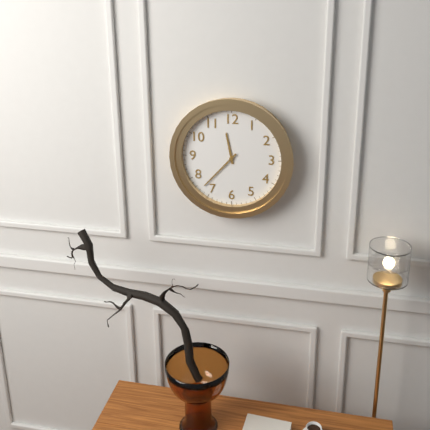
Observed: **11:37**
